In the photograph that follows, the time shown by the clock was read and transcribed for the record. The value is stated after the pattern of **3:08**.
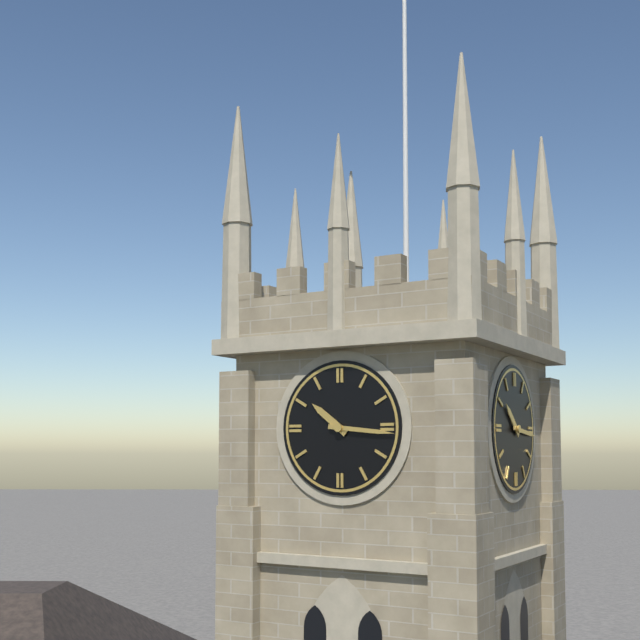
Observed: **10:16**
